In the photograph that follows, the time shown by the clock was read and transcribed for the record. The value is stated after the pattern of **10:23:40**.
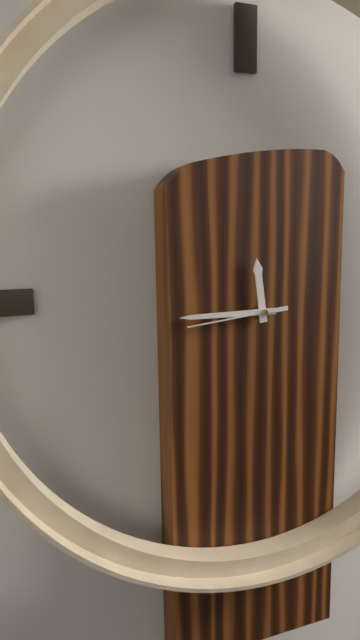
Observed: **11:45:44**
